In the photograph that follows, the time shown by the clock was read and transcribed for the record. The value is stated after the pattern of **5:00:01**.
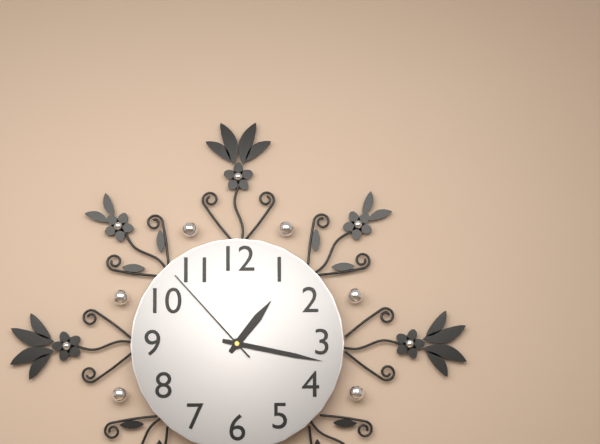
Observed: **1:17:53**
